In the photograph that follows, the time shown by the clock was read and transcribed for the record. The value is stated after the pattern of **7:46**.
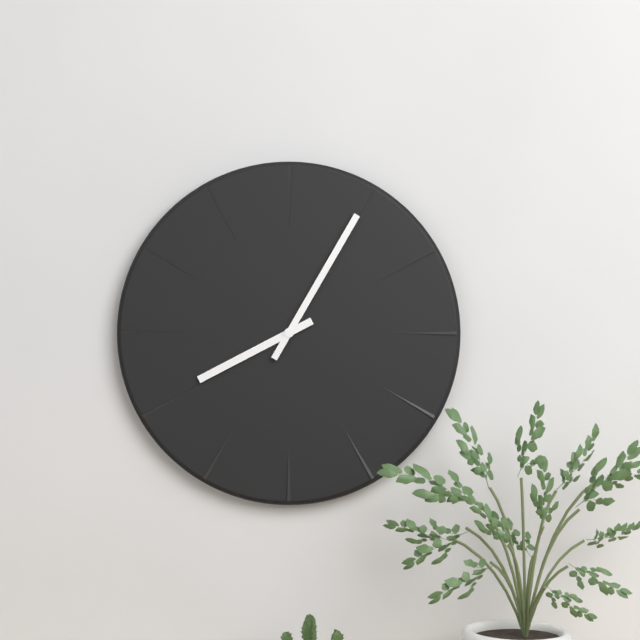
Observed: **8:05**
